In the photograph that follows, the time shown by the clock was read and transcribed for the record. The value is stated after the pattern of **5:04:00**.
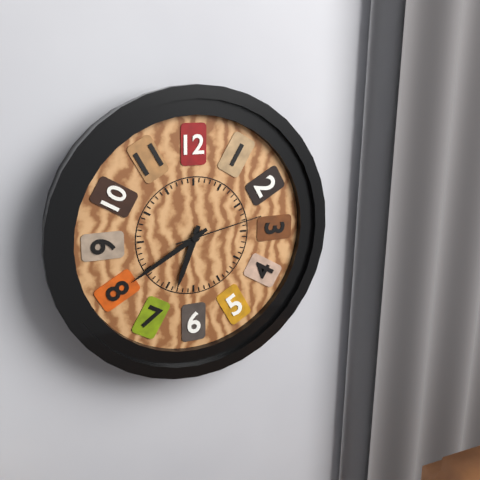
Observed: **6:40:13**
